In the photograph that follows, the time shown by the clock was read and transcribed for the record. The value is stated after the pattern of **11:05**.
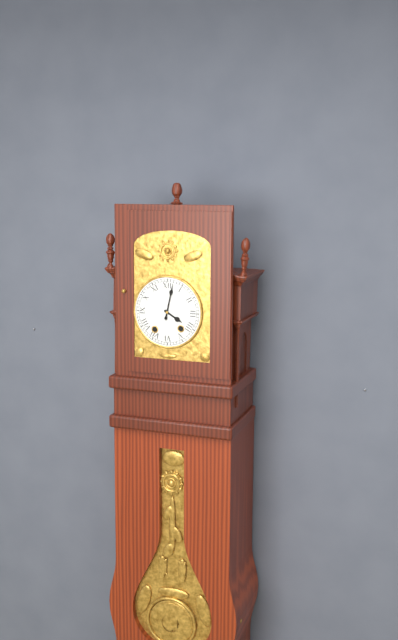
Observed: **4:02**
